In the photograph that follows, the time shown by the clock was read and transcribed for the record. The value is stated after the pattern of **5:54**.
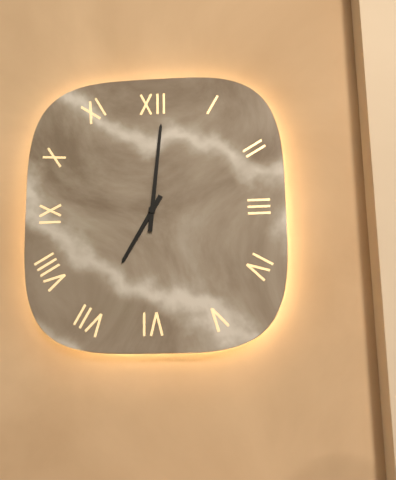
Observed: **7:01**
